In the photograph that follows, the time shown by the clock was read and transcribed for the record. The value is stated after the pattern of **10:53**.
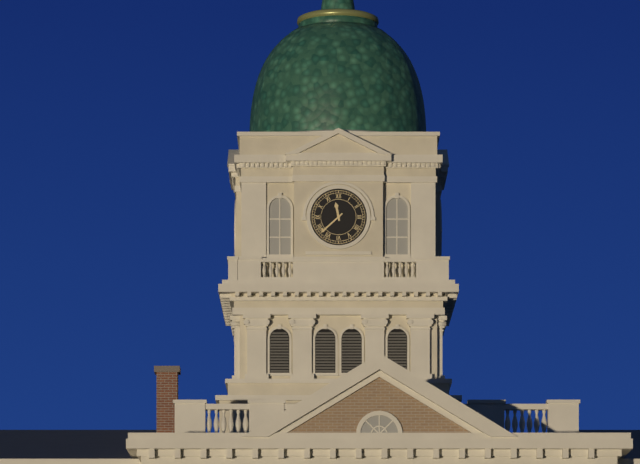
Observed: **11:38**
